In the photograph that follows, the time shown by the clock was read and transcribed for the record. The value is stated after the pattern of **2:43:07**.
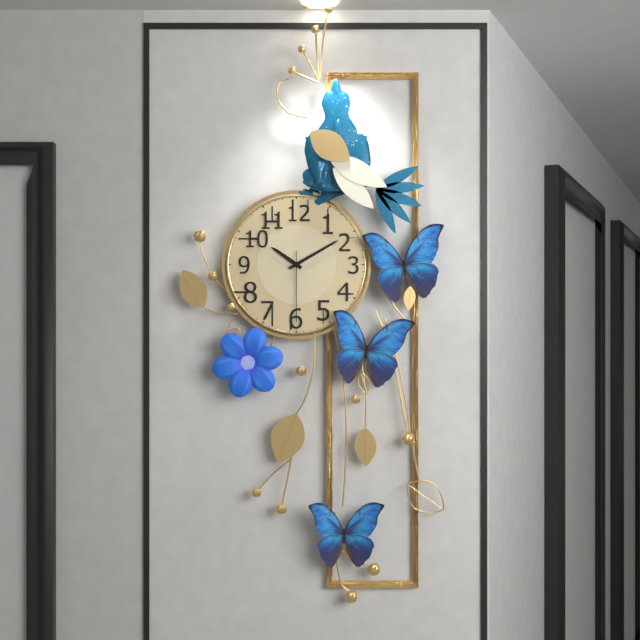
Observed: **10:10:30**
